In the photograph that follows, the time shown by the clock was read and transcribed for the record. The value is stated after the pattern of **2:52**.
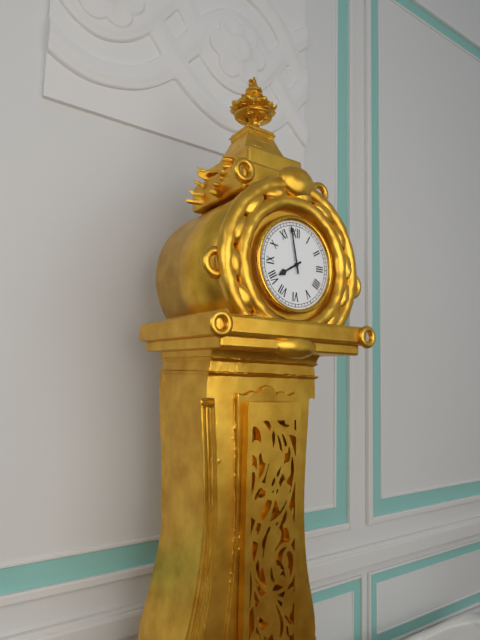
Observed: **7:58**
